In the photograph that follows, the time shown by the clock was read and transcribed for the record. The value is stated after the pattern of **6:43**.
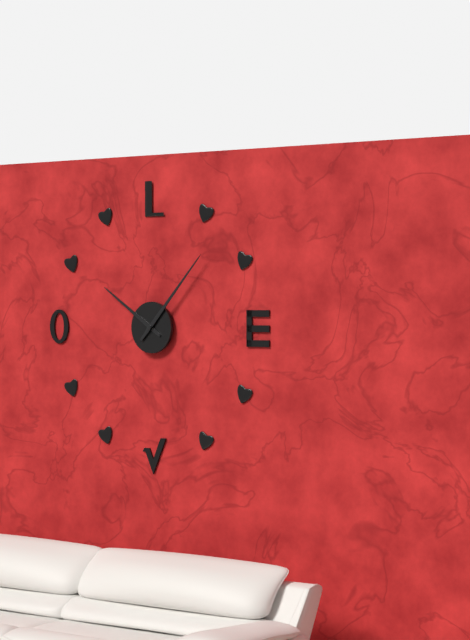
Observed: **10:07**
